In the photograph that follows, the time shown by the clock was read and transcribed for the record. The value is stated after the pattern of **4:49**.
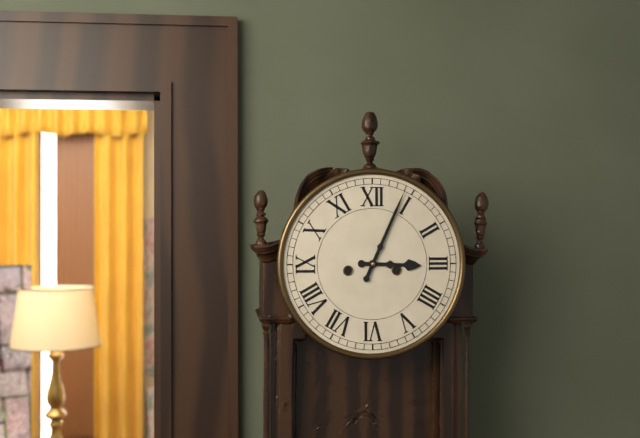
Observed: **3:04**
